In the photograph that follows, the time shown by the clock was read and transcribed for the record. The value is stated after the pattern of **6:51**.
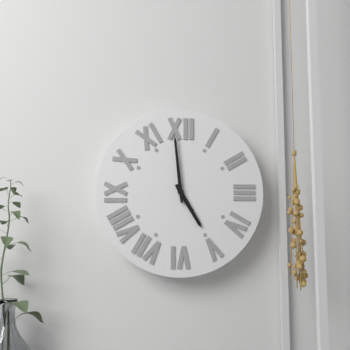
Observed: **4:59**
